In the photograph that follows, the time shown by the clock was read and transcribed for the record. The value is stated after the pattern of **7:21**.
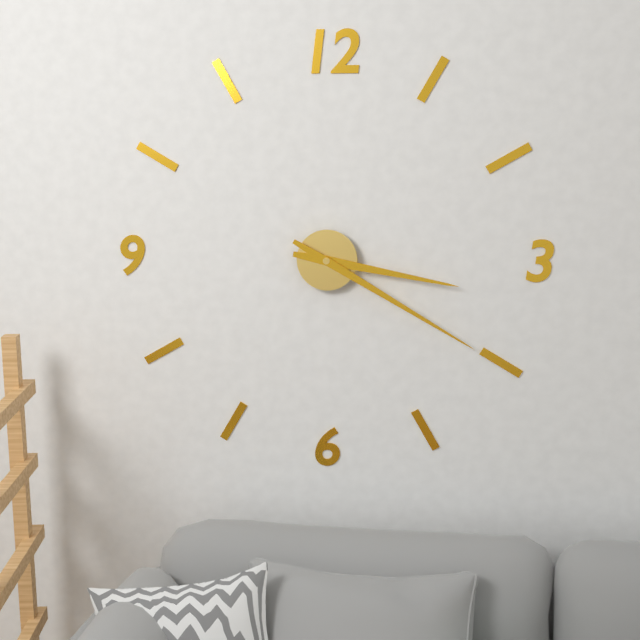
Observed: **3:20**
